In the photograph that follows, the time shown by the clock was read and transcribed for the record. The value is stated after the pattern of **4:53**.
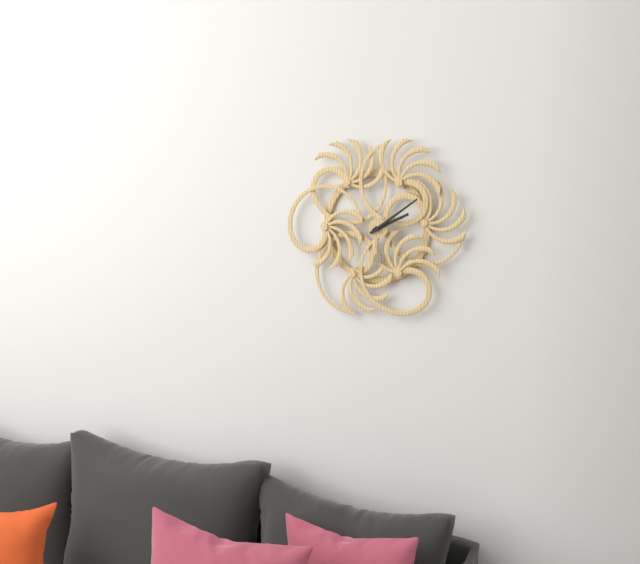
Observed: **2:09**
